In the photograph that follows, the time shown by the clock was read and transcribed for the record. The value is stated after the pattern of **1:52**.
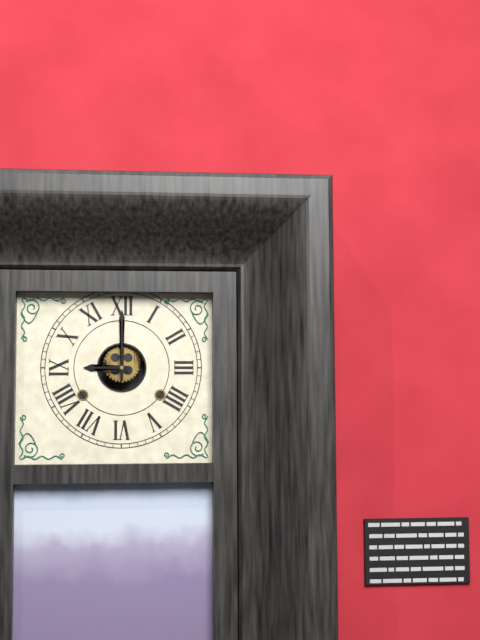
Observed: **9:00**
